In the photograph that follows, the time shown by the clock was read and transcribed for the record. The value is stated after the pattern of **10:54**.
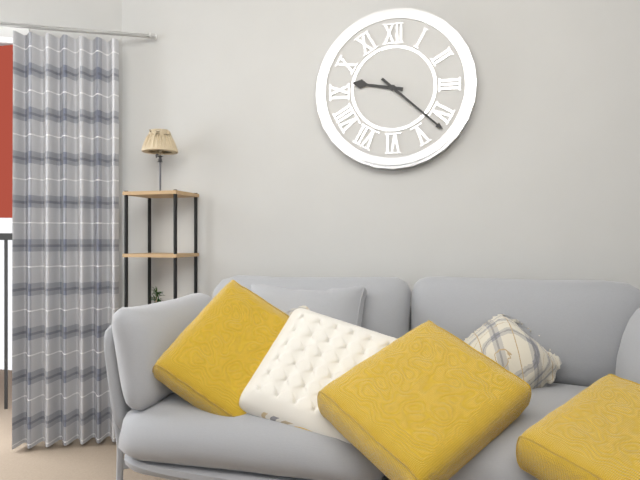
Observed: **9:22**
